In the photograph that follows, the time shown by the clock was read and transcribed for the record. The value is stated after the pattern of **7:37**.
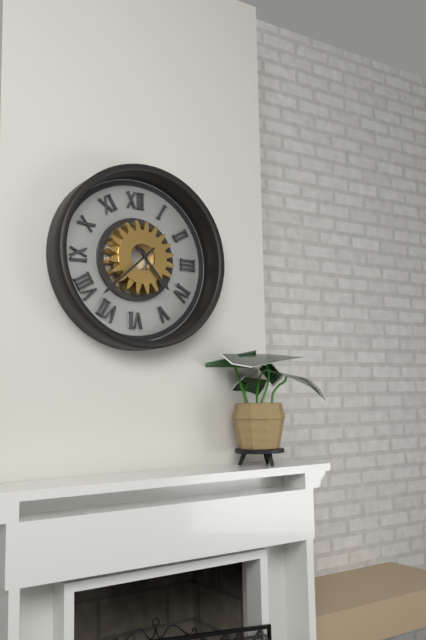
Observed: **4:38**
